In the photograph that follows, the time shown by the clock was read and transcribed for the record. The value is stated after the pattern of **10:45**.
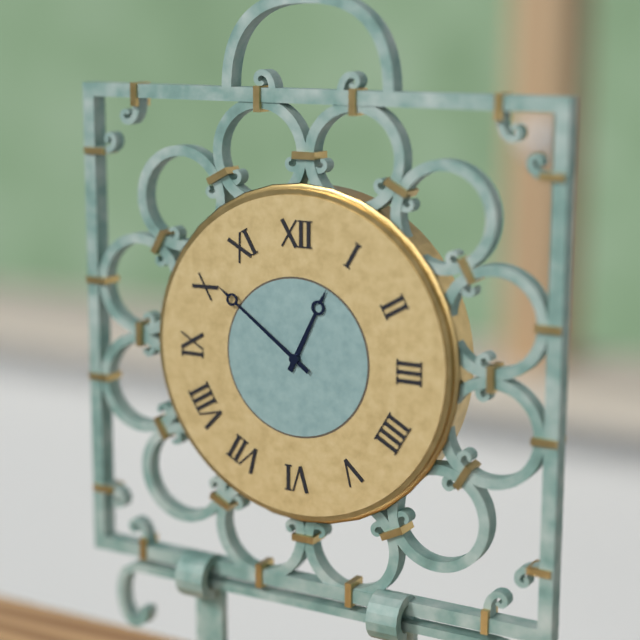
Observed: **12:51**
